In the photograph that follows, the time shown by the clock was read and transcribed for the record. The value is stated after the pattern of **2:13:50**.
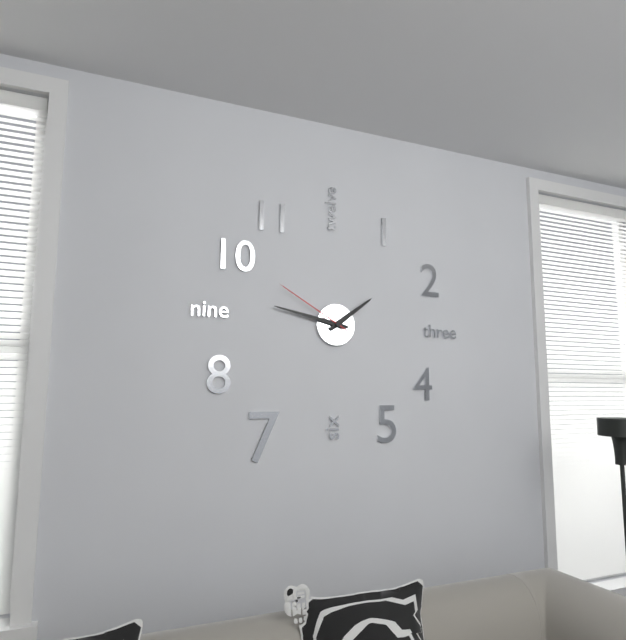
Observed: **1:47:50**
